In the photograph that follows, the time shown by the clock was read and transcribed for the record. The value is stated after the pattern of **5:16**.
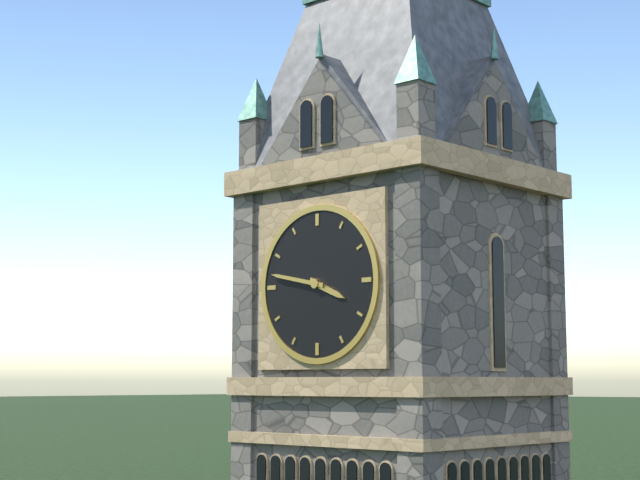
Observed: **3:47**
